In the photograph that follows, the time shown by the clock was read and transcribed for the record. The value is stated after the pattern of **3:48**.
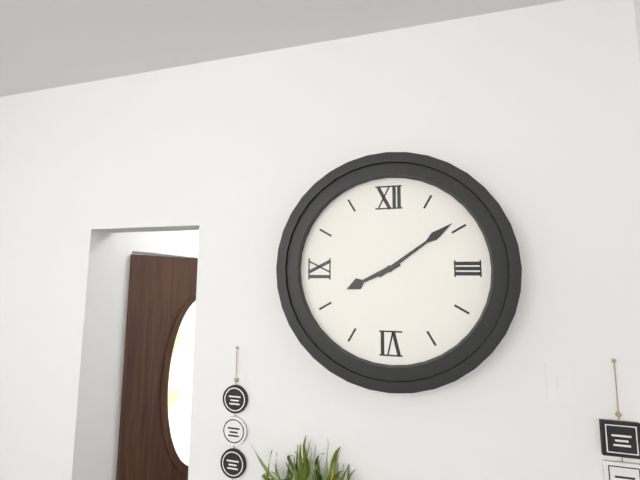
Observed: **8:09**
